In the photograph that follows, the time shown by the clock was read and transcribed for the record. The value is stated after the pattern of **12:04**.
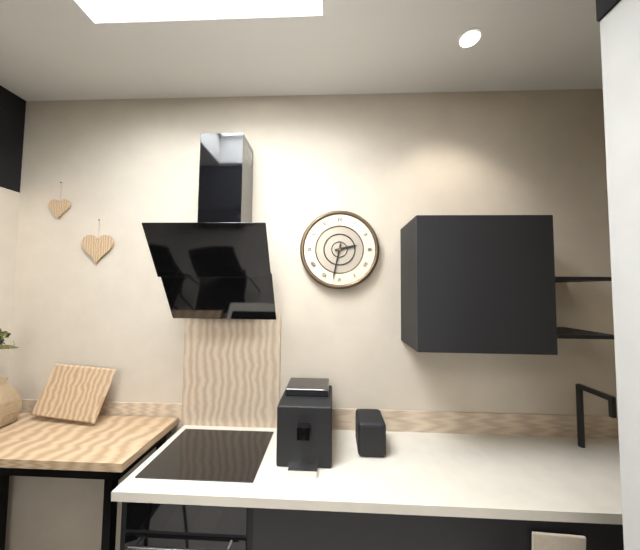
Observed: **2:32**
